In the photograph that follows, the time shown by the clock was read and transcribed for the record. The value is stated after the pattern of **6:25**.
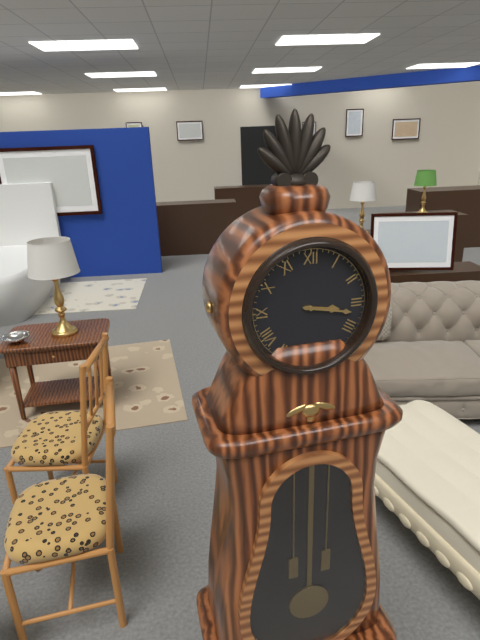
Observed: **3:17**
